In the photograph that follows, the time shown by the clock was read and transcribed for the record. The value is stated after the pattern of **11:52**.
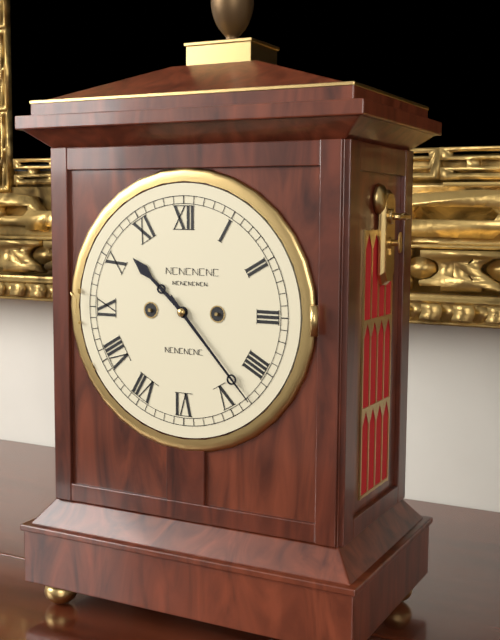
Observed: **10:23**
